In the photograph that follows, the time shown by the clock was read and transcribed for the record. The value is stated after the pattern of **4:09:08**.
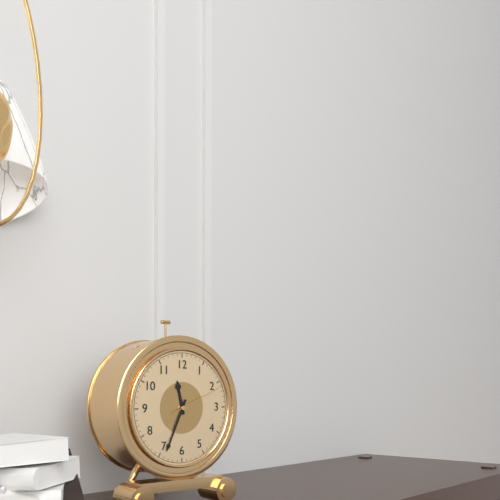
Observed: **11:34:11**
